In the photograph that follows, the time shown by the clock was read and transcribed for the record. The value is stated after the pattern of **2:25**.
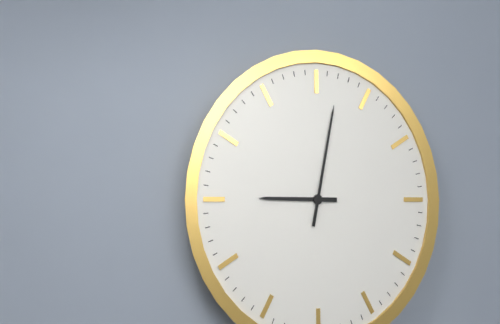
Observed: **9:02**
